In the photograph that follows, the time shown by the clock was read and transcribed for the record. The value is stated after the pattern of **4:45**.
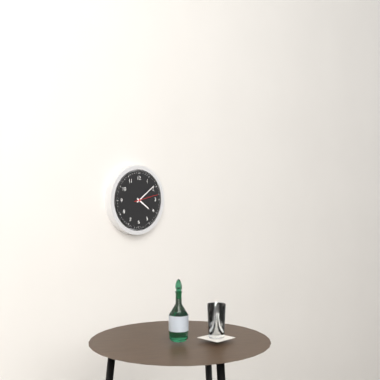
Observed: **4:09**
